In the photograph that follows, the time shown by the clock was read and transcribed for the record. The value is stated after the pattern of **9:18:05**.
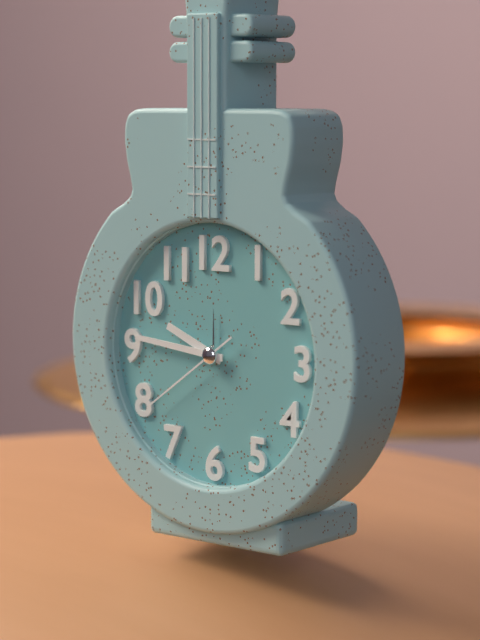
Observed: **9:46:39**
